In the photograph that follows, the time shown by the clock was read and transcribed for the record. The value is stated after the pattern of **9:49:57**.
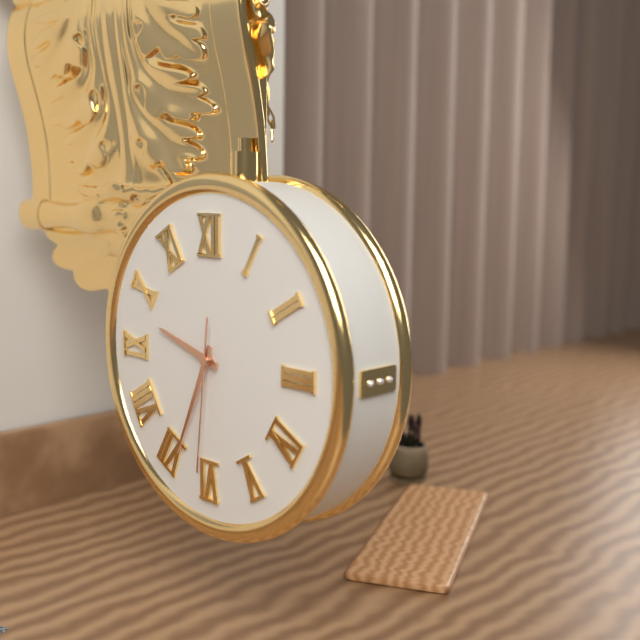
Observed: **9:34:31**
